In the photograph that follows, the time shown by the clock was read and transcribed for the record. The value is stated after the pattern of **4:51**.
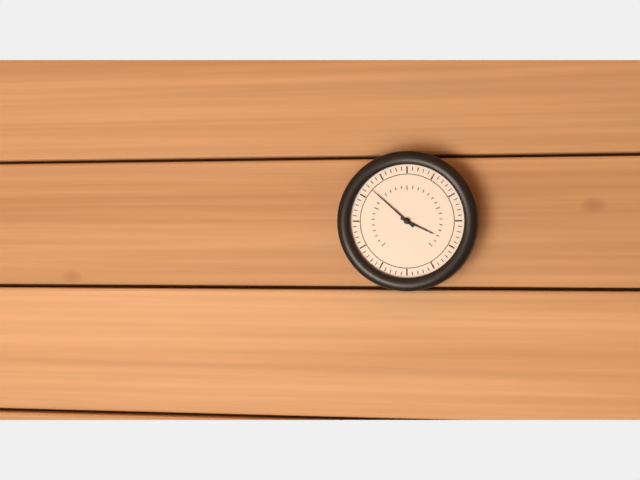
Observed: **3:52**
